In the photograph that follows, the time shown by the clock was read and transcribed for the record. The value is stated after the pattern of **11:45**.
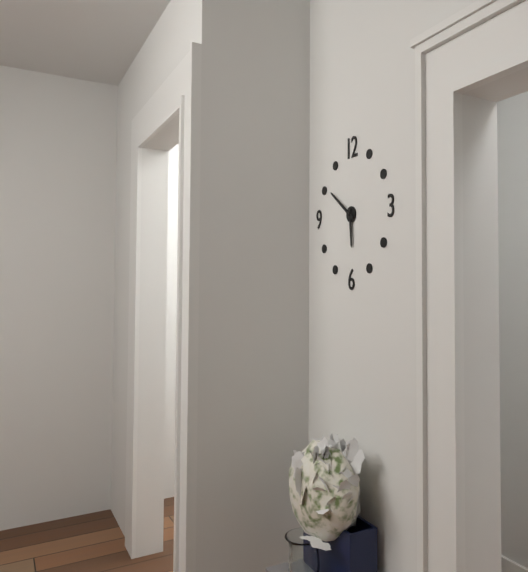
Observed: **5:51**
